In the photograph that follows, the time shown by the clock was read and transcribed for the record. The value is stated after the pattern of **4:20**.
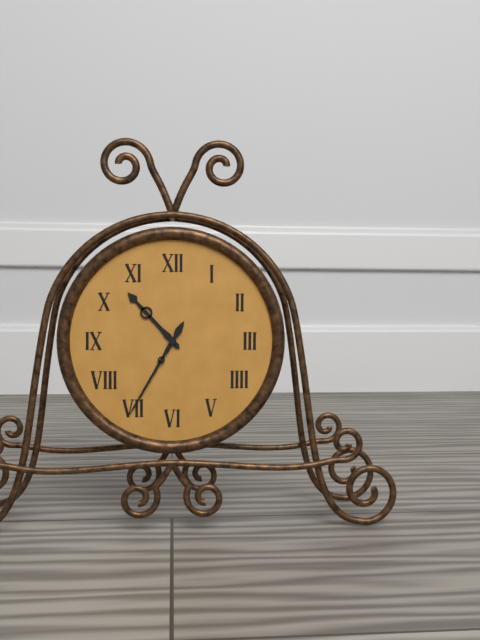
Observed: **10:35**
